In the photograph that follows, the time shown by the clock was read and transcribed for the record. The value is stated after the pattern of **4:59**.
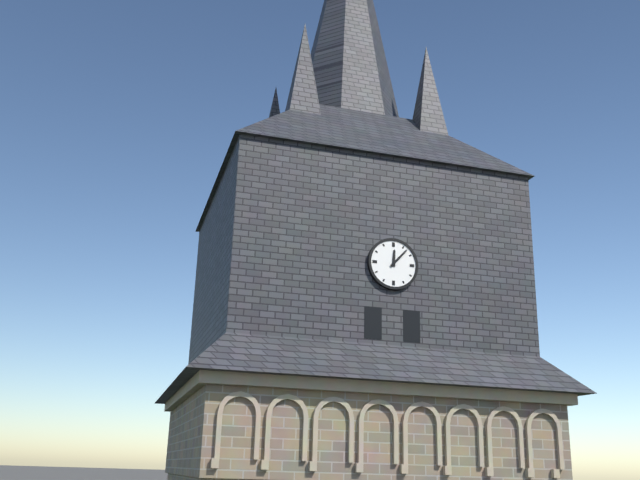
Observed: **12:07**
